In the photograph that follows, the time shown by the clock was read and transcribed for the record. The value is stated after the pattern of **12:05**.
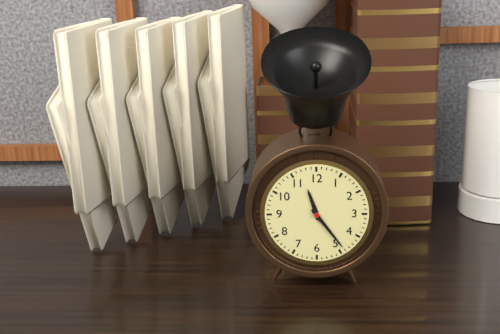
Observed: **11:24**
